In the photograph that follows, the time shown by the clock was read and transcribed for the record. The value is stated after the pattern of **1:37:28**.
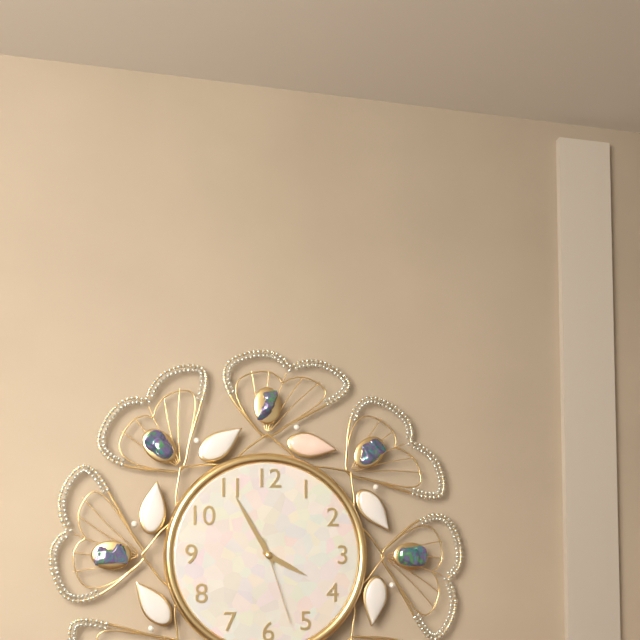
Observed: **3:55:27**
